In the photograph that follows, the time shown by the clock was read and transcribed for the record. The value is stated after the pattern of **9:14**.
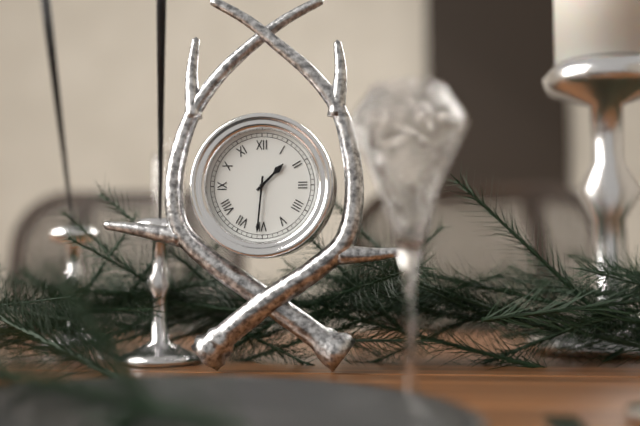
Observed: **1:31**
